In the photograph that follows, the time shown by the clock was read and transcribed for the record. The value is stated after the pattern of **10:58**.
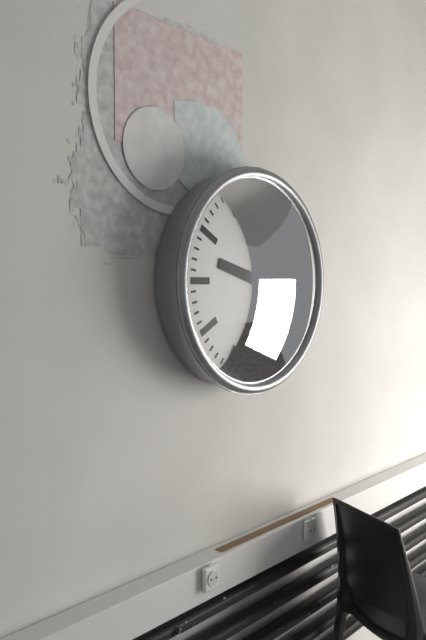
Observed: **9:31**
